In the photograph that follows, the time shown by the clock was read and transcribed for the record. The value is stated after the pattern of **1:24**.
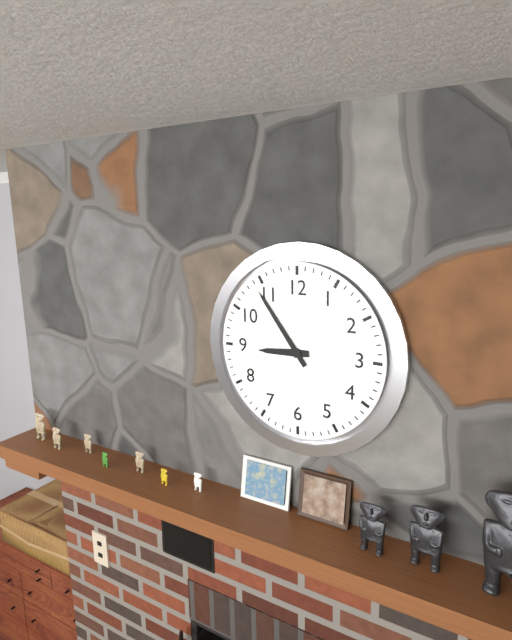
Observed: **8:54**
